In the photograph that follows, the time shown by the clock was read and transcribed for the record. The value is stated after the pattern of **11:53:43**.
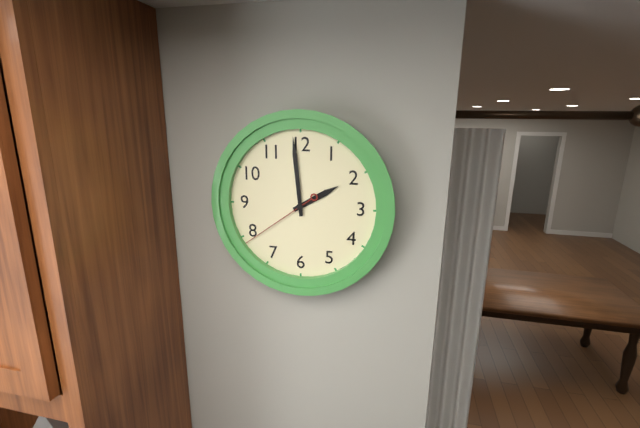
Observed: **1:59:39**
